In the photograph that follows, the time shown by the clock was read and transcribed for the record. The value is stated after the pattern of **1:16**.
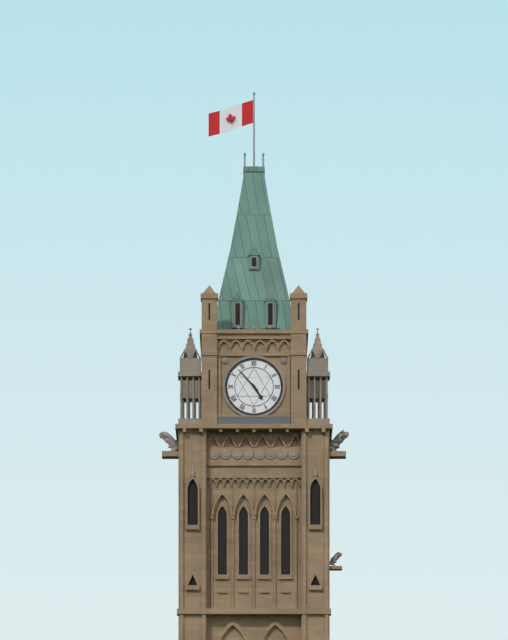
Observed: **4:53**
